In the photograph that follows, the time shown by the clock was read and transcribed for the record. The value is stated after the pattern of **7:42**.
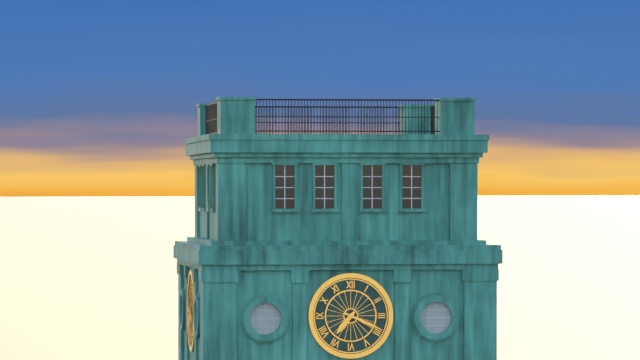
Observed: **7:19**
